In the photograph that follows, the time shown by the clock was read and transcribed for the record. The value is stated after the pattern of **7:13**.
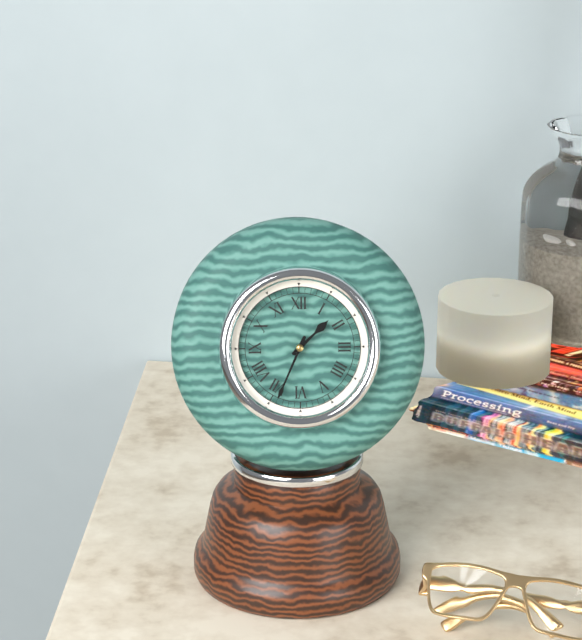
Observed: **1:34**
